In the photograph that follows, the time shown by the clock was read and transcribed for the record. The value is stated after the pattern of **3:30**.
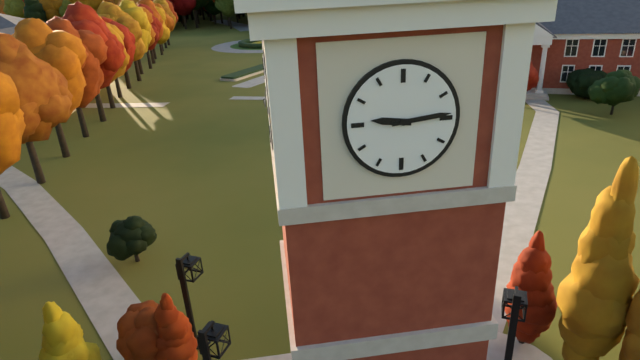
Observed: **9:14**
